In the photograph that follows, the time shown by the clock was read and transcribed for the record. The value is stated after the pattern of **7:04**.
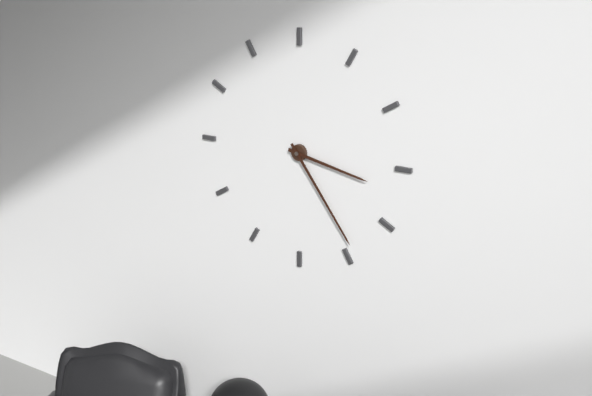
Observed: **3:24**
